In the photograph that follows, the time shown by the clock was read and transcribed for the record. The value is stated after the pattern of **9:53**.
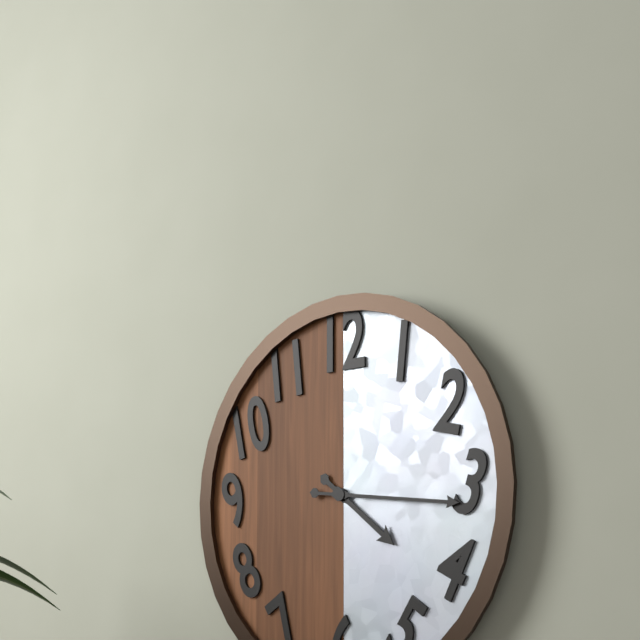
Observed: **4:16**
